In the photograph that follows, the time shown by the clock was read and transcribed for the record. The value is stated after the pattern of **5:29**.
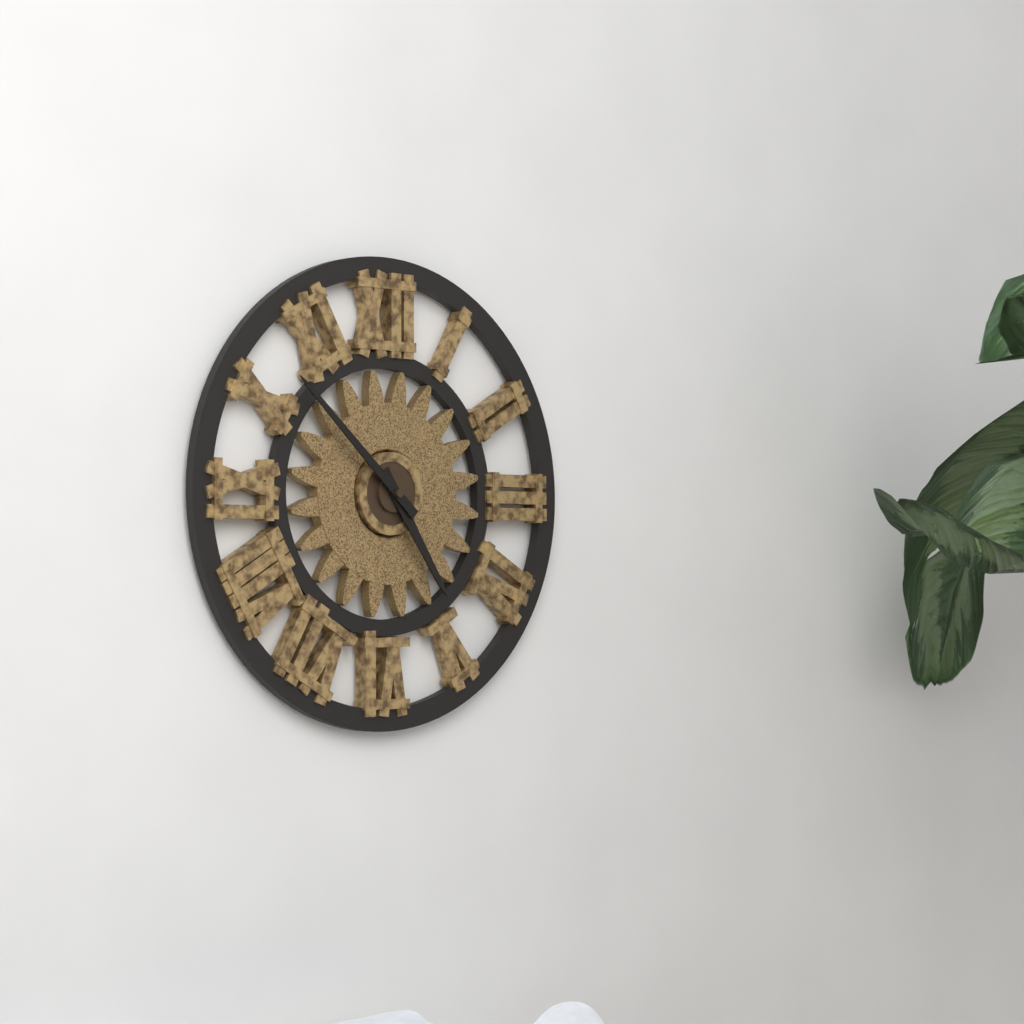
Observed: **4:52**
